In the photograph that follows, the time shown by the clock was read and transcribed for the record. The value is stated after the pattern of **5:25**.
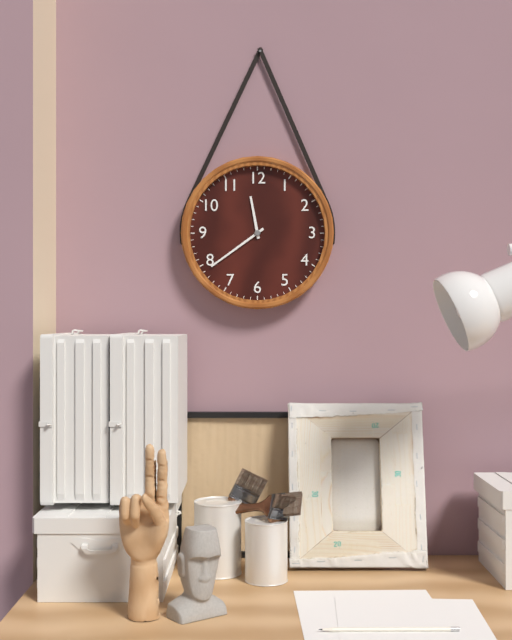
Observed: **11:39**
